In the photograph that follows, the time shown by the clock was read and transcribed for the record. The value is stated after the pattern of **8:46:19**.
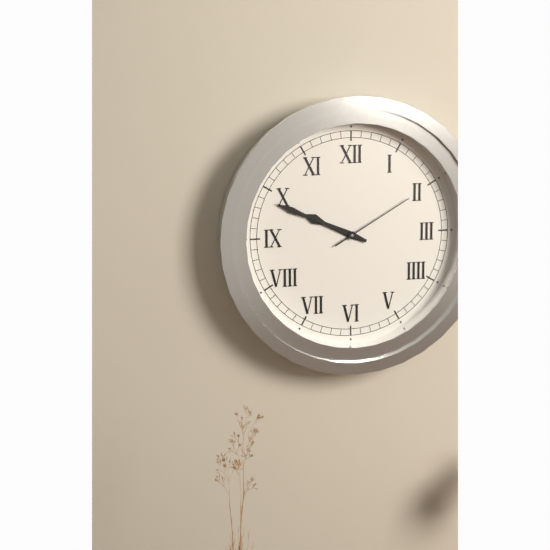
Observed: **9:49:10**
